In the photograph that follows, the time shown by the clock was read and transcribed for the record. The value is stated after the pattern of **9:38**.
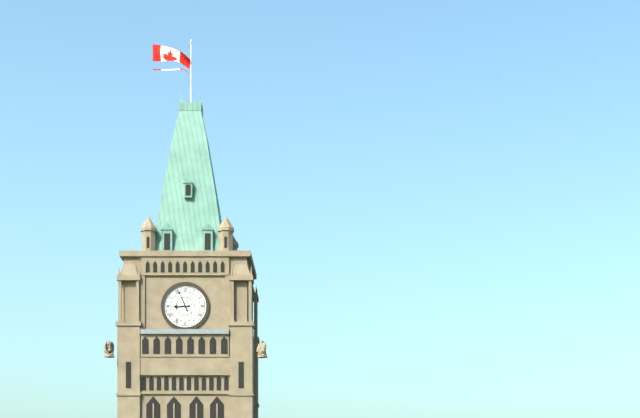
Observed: **8:56**
